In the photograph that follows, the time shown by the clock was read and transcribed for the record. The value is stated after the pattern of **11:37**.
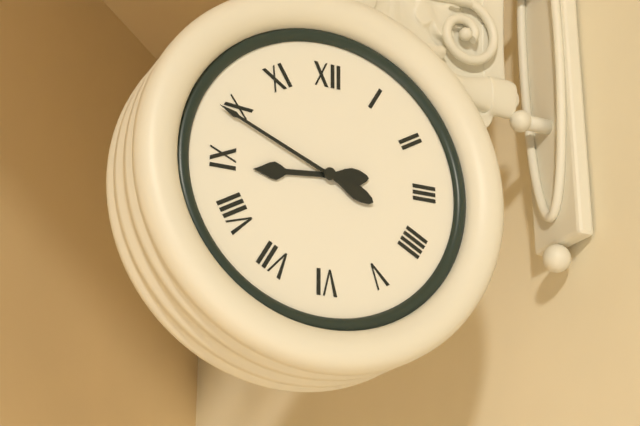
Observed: **8:49**
